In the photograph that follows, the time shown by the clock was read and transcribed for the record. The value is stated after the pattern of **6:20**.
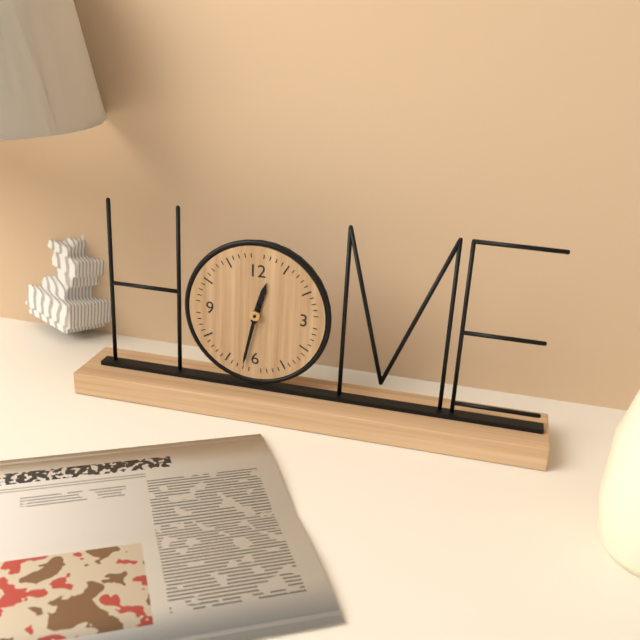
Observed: **12:32**
